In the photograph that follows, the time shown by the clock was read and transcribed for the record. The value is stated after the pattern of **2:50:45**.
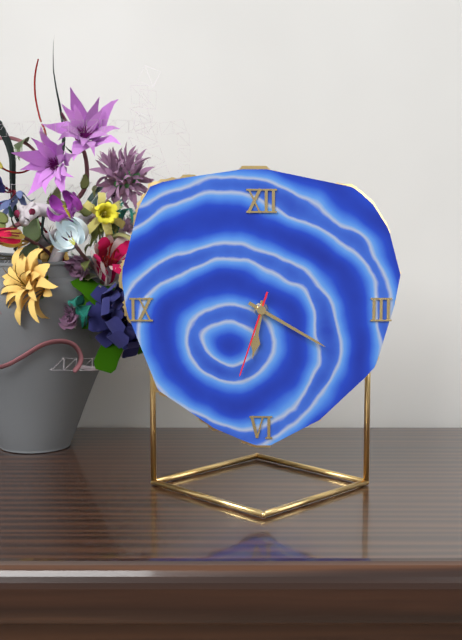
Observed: **6:20:33**
